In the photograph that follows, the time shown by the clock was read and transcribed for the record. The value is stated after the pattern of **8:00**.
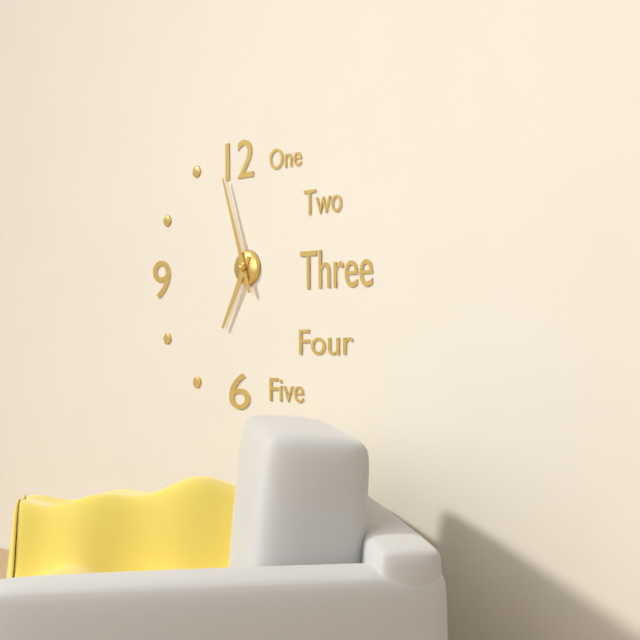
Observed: **6:57**
